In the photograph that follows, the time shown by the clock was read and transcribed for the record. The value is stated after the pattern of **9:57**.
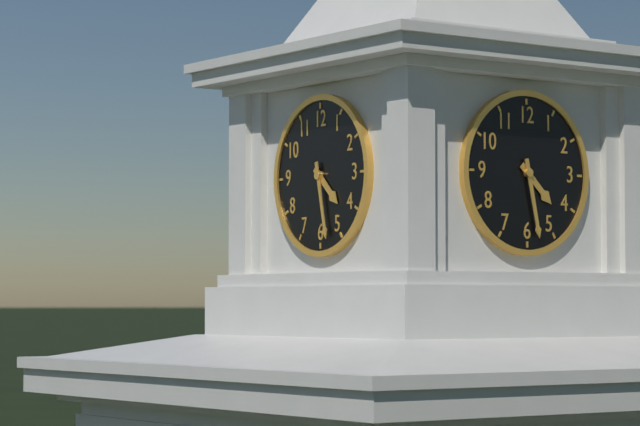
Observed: **4:28**
